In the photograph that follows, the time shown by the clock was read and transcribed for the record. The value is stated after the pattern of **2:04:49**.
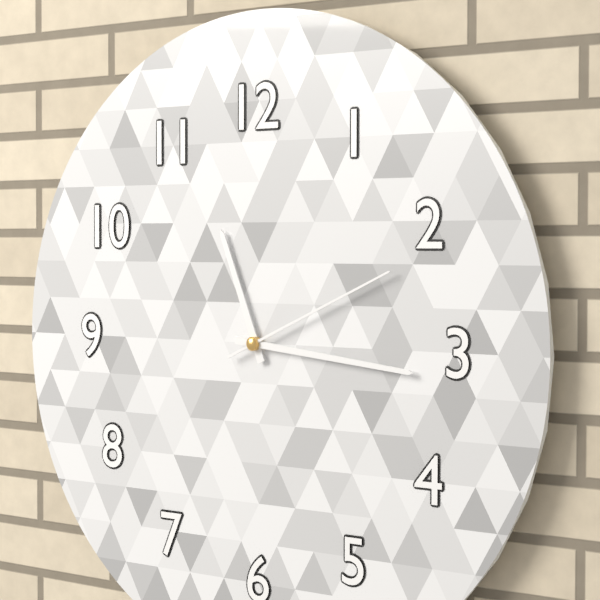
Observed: **11:16:11**
